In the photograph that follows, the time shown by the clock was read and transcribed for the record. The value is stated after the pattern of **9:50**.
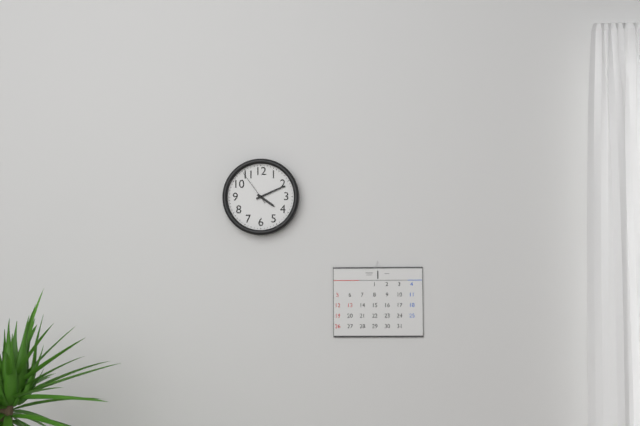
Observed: **4:11**
